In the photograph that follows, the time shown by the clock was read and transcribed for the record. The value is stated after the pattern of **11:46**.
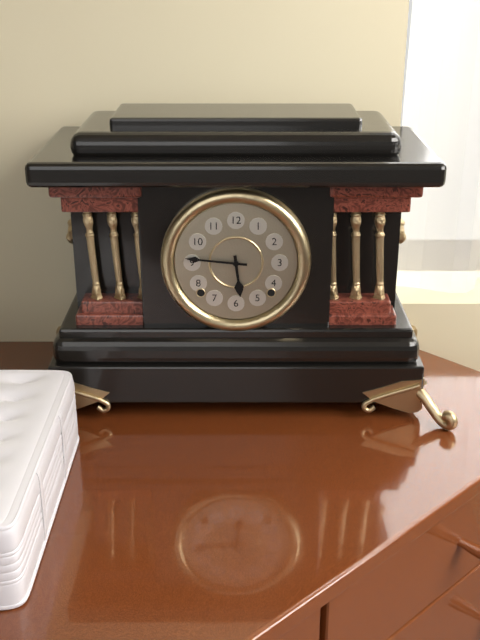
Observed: **5:46**
